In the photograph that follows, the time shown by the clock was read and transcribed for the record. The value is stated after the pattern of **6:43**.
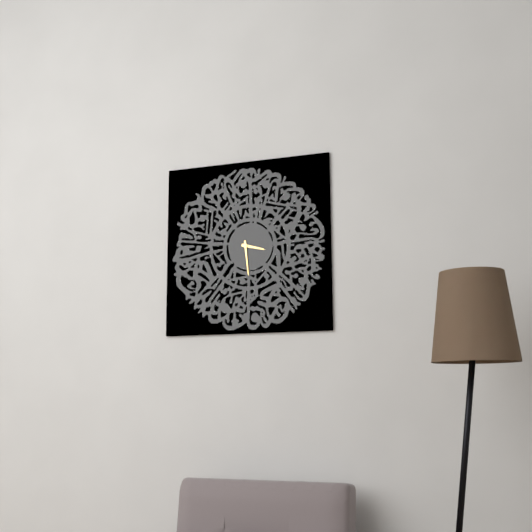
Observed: **3:29**
